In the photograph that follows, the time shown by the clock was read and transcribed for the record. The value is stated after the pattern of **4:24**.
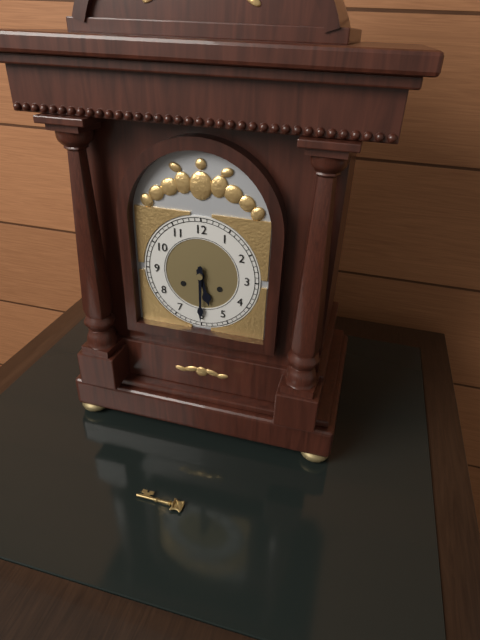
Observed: **5:30**
